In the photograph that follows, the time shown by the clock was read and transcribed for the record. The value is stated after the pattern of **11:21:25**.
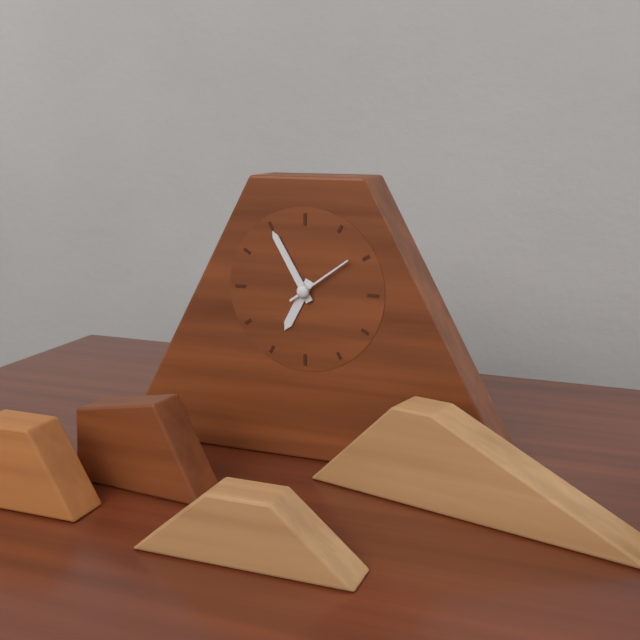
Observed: **6:55:09**
